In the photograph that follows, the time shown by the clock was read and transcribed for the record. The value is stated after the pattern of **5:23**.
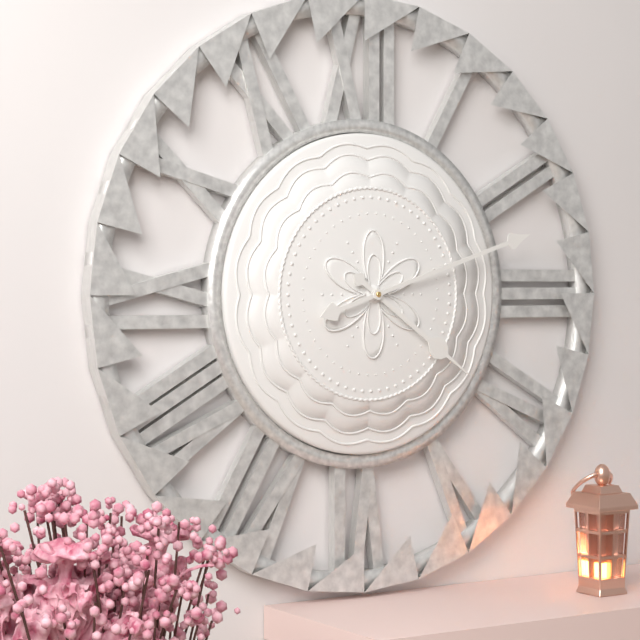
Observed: **4:12**
